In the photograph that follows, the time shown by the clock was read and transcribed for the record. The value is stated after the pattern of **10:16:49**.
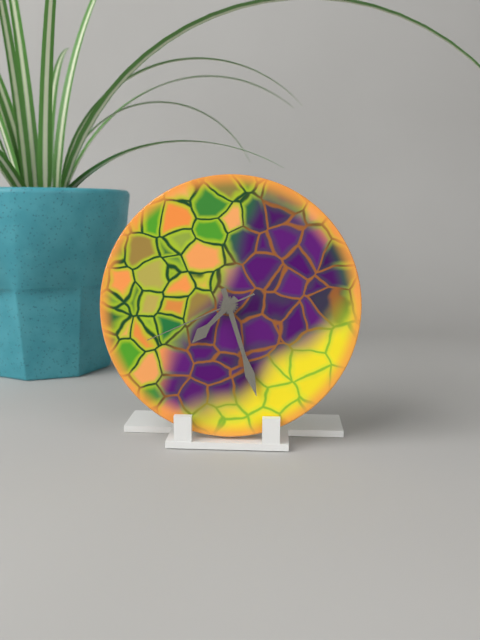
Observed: **7:27:41**
